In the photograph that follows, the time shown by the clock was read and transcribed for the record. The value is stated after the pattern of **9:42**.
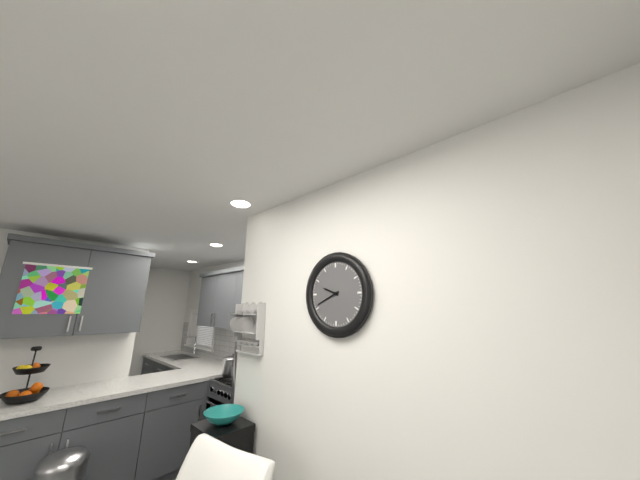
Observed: **9:41**
